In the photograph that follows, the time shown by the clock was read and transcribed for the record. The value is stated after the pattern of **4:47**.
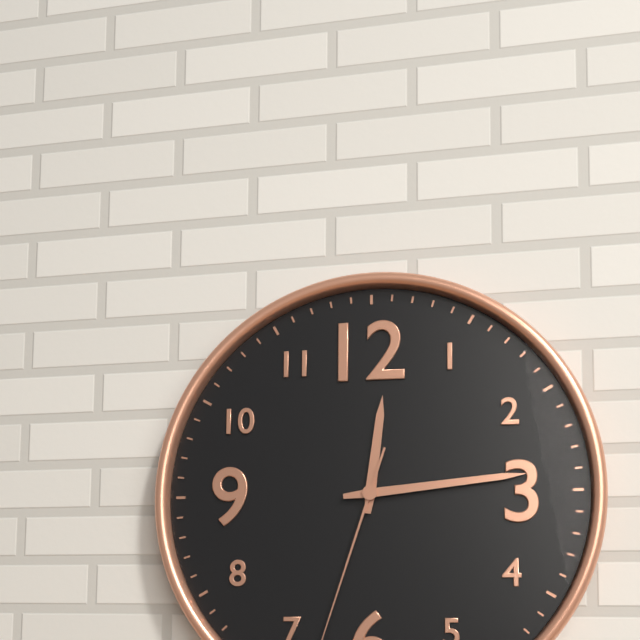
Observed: **12:14**
